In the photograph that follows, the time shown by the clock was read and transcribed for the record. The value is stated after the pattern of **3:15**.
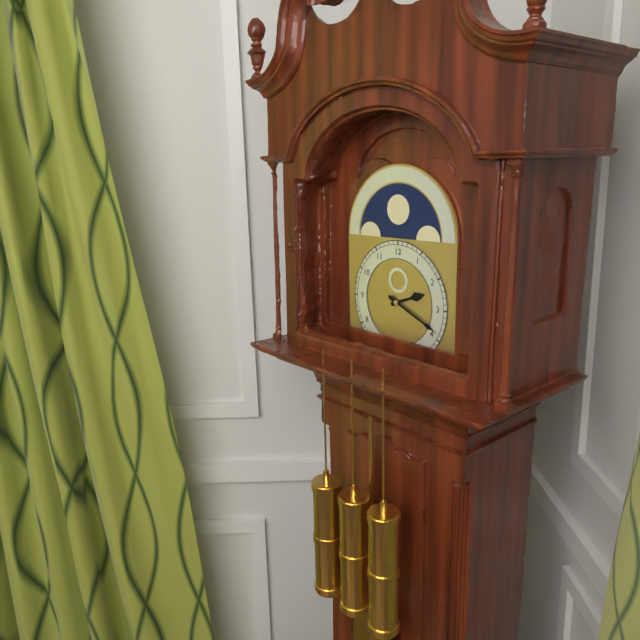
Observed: **2:19**
